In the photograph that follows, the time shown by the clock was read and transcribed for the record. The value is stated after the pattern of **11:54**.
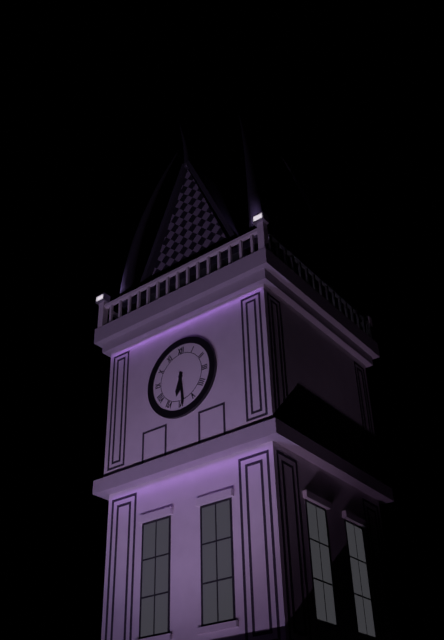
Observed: **6:29**
